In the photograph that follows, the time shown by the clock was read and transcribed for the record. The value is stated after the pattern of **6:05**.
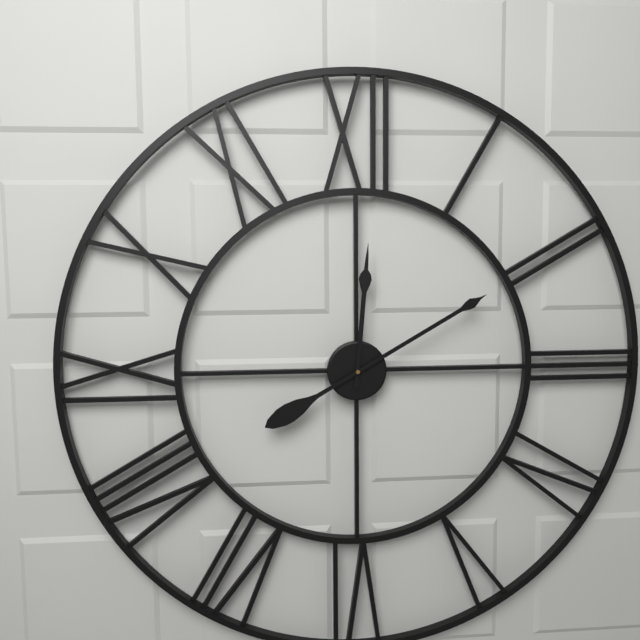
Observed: **12:10**
